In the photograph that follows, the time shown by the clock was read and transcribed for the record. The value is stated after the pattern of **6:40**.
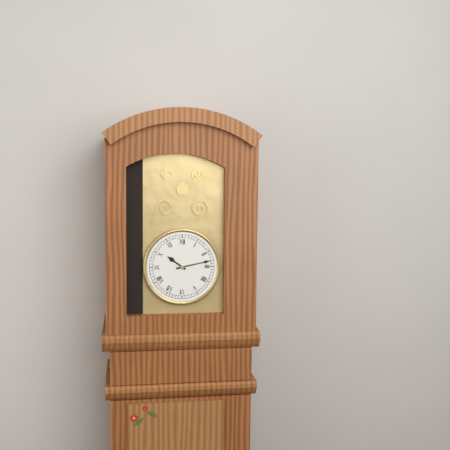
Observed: **10:13**
